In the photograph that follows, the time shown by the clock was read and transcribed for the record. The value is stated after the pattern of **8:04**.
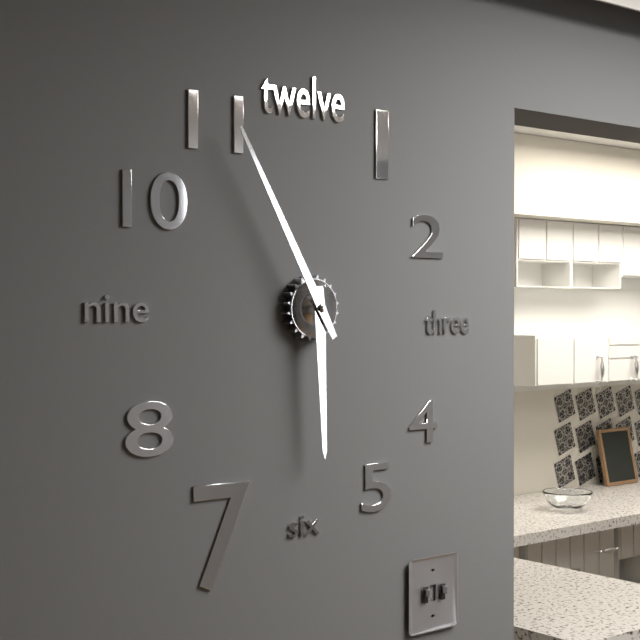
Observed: **5:55**
